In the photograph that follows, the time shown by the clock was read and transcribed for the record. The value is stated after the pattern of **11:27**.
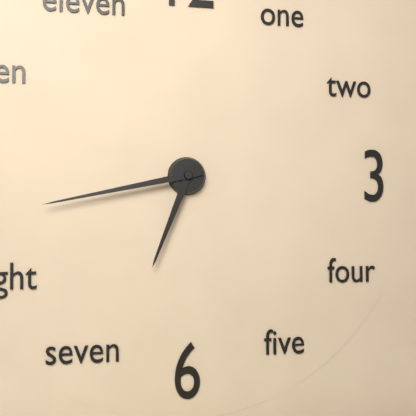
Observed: **6:43**
